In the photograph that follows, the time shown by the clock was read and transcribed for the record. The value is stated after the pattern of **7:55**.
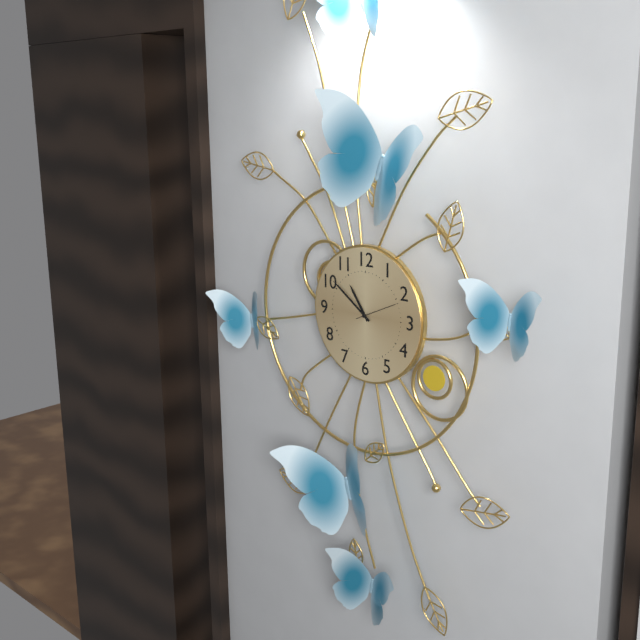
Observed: **10:51**
